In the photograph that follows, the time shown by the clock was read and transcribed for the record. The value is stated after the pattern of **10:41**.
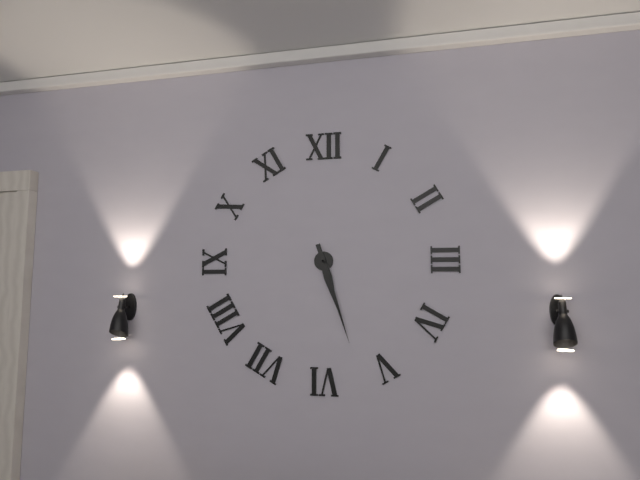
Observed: **5:27**
